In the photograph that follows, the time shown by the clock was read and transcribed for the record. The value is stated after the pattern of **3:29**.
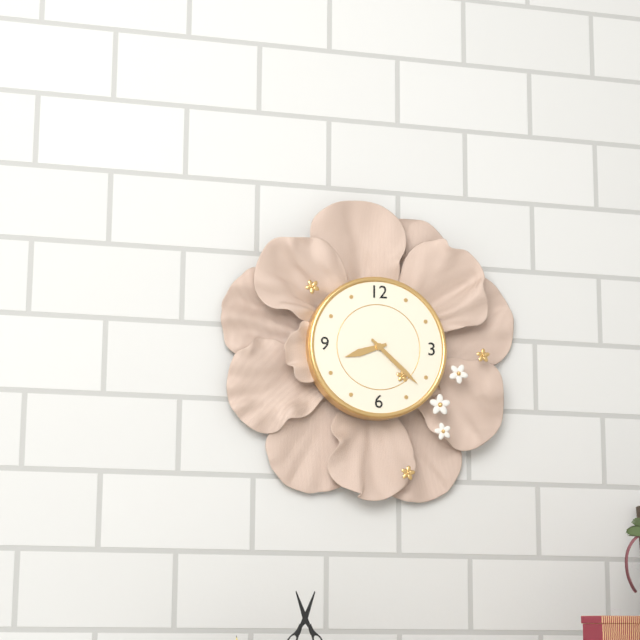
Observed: **8:22**
